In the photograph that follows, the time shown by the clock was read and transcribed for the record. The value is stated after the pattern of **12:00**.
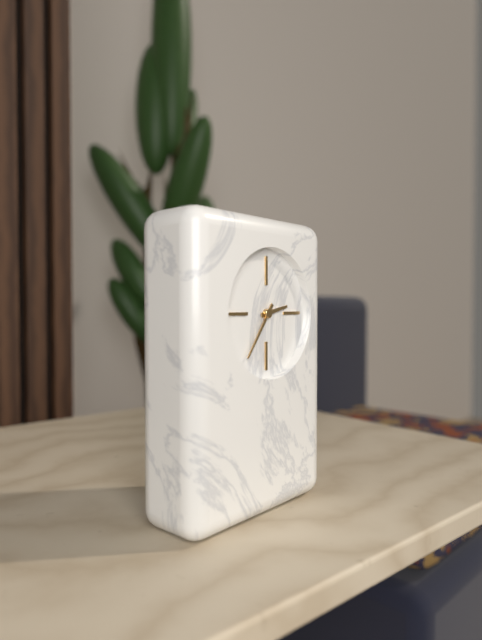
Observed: **2:36**
